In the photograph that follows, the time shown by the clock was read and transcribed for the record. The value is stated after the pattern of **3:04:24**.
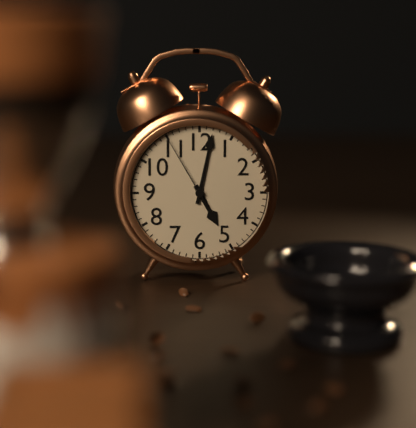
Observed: **5:02:55**
